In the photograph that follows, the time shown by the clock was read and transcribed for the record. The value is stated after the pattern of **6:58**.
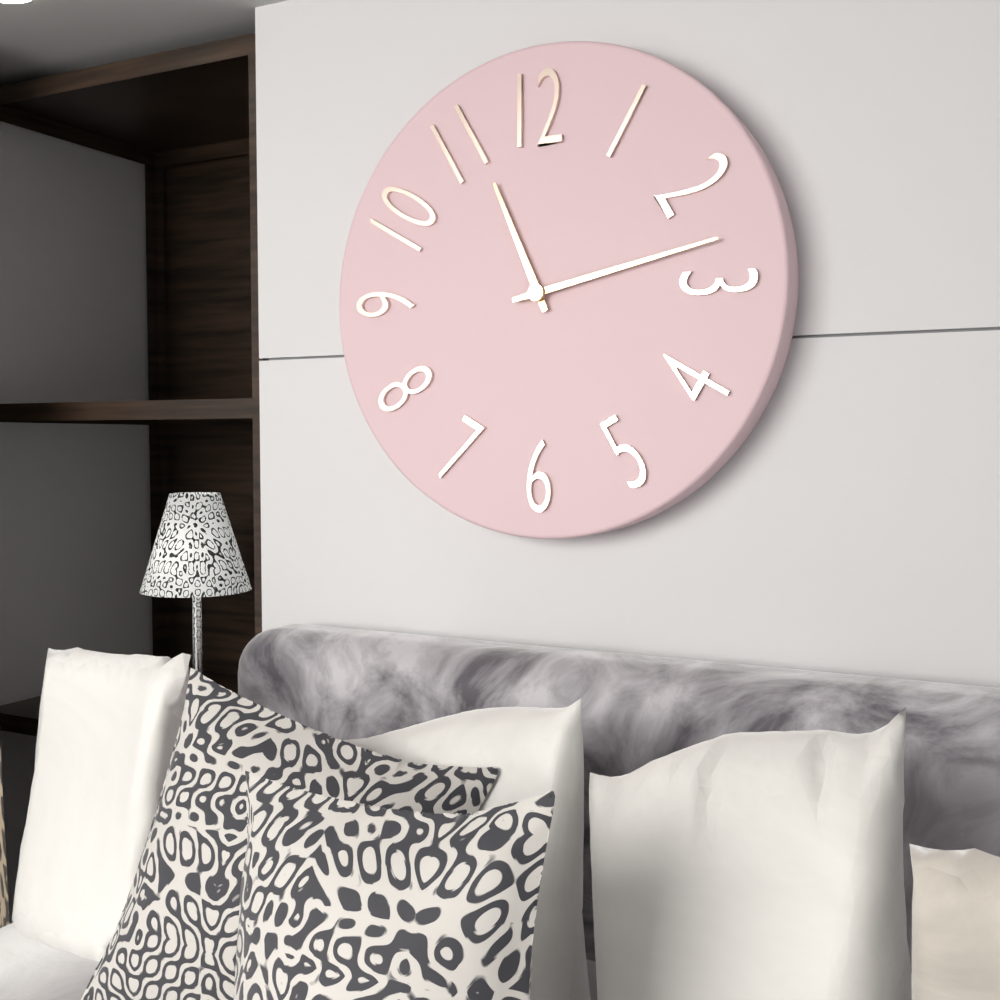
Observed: **11:13**
